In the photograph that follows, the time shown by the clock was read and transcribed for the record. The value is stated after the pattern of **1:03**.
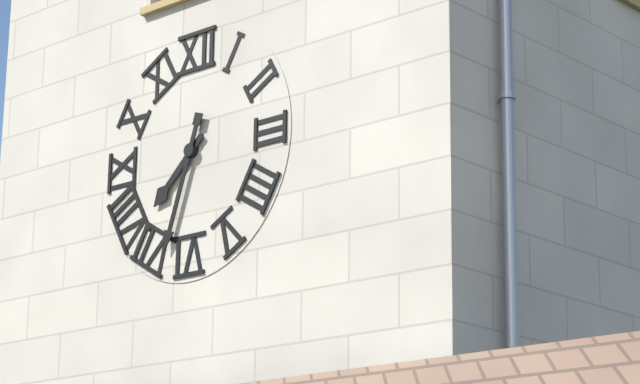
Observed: **7:33**
